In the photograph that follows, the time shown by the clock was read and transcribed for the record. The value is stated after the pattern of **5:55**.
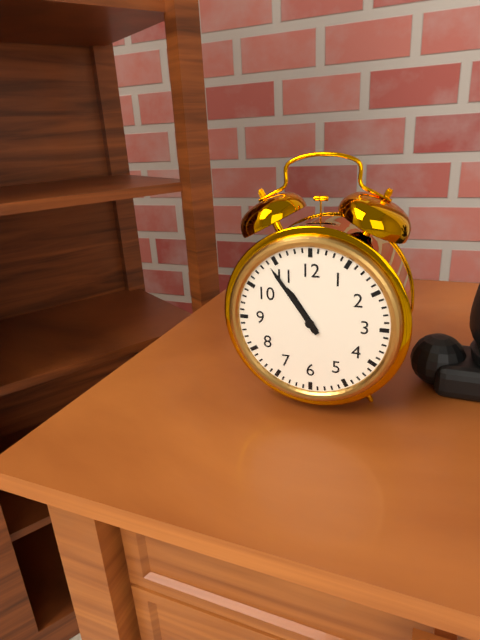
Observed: **10:54**
